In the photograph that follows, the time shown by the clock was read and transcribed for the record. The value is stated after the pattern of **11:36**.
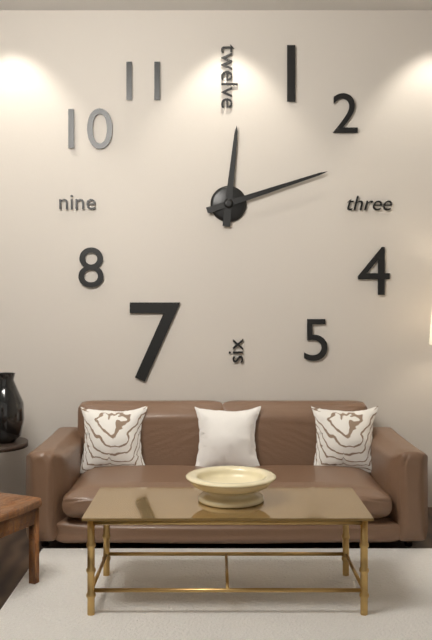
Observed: **12:12**
